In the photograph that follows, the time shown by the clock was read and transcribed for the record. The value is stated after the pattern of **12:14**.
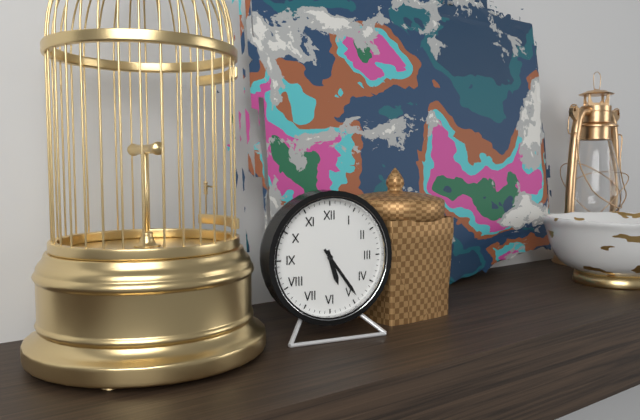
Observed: **5:24**
